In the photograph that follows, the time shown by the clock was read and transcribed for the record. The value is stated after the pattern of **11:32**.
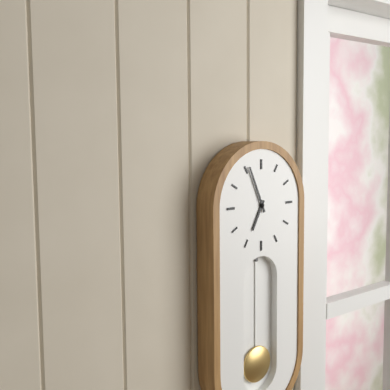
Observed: **6:56**
